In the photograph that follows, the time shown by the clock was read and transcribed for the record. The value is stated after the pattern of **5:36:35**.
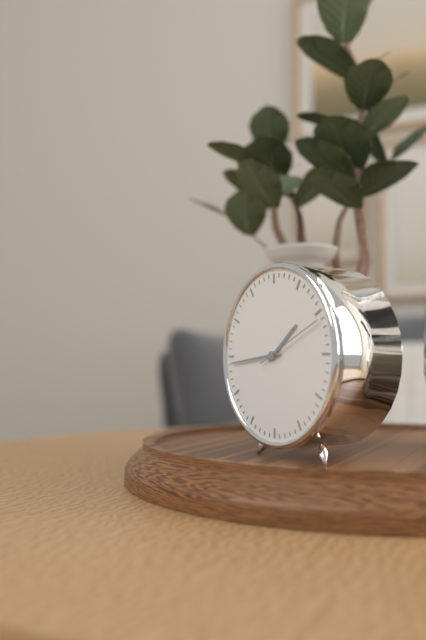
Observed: **1:44:11**
